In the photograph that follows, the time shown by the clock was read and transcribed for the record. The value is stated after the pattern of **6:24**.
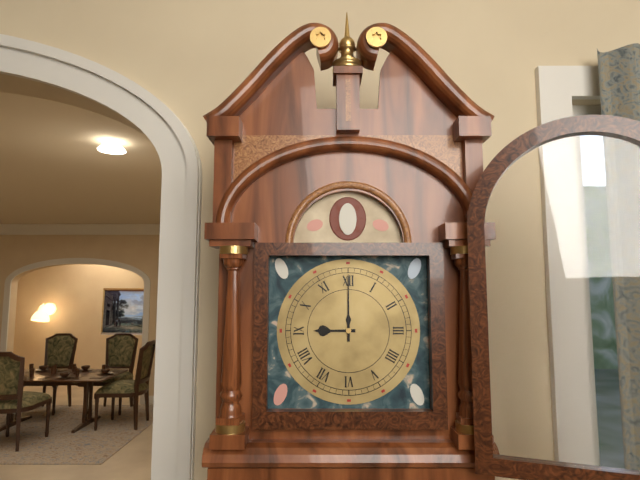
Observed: **9:00**
